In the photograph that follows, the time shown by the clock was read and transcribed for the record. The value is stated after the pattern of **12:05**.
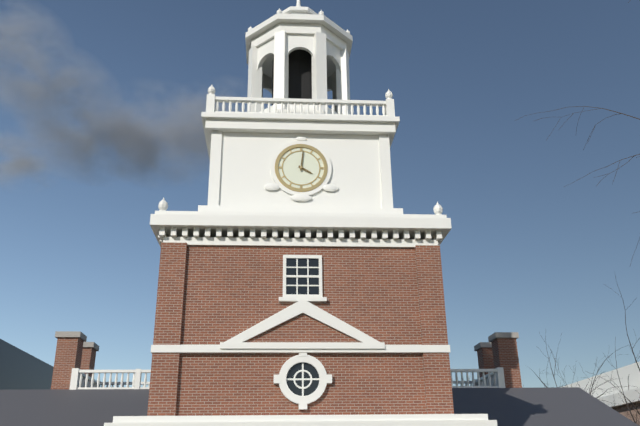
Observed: **4:01**
